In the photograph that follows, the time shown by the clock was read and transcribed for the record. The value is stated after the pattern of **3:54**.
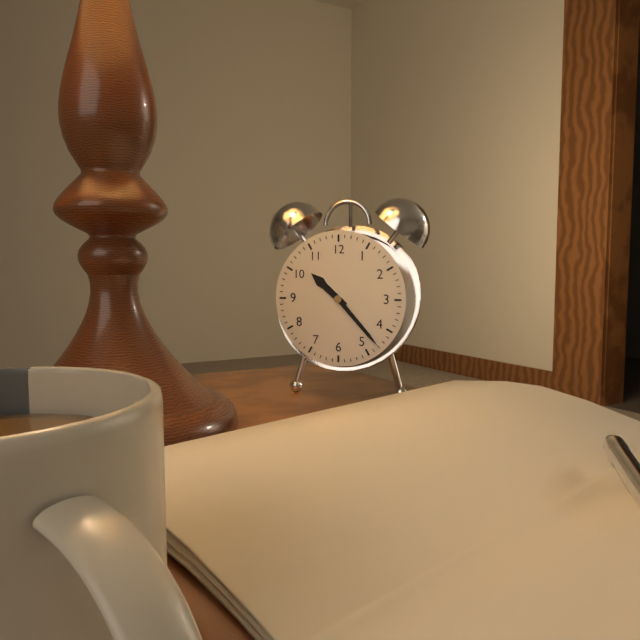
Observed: **10:23**
